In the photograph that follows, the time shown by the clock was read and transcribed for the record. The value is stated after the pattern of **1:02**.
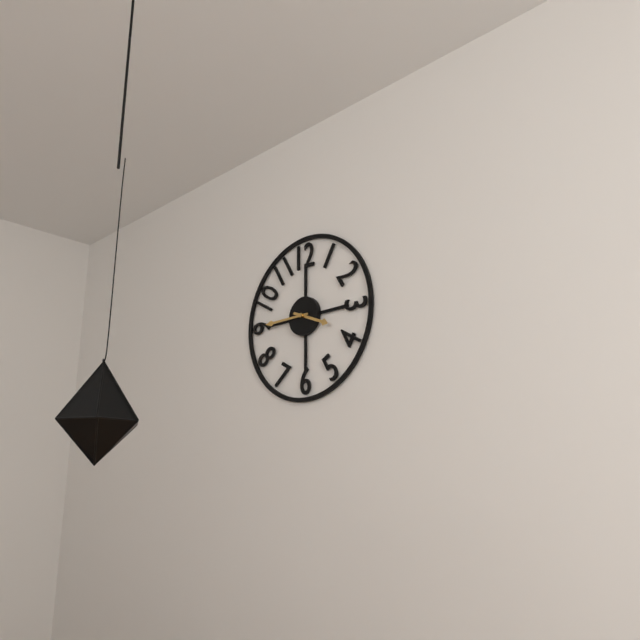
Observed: **3:45**
